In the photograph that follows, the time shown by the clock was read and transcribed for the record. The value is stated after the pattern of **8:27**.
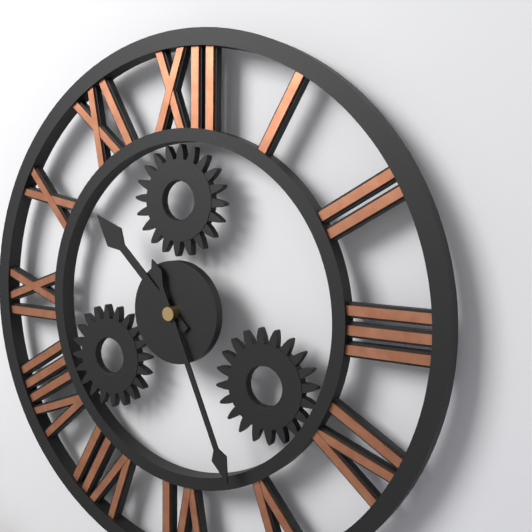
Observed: **10:26**
